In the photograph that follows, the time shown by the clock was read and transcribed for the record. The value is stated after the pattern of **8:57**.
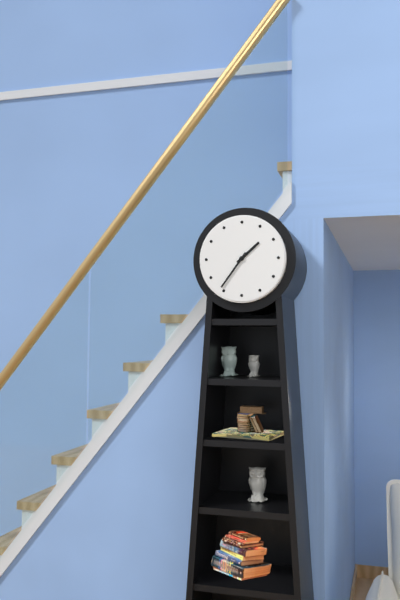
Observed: **1:36**
